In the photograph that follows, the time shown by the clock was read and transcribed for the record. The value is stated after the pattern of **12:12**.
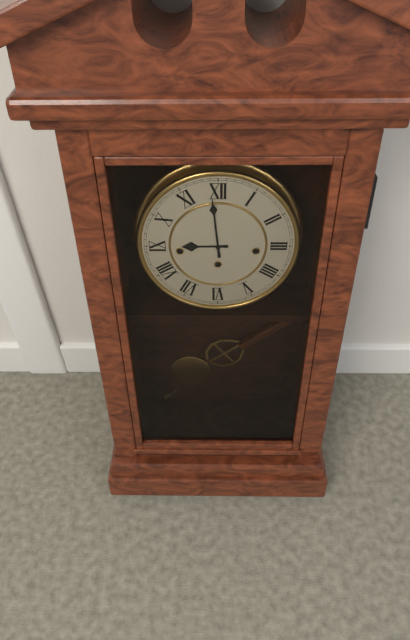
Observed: **8:59**
